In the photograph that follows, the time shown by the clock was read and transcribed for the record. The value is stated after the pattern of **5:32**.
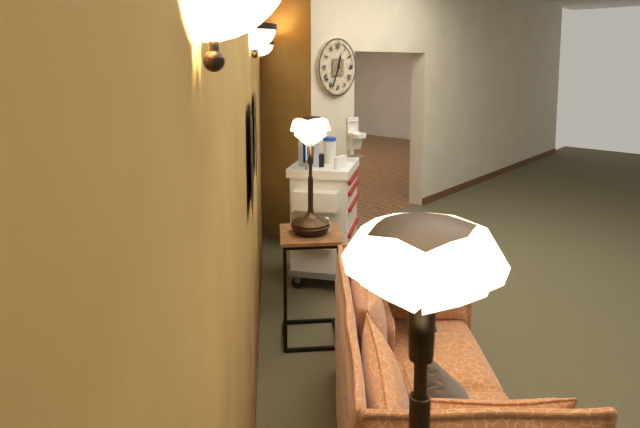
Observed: **12:34**
